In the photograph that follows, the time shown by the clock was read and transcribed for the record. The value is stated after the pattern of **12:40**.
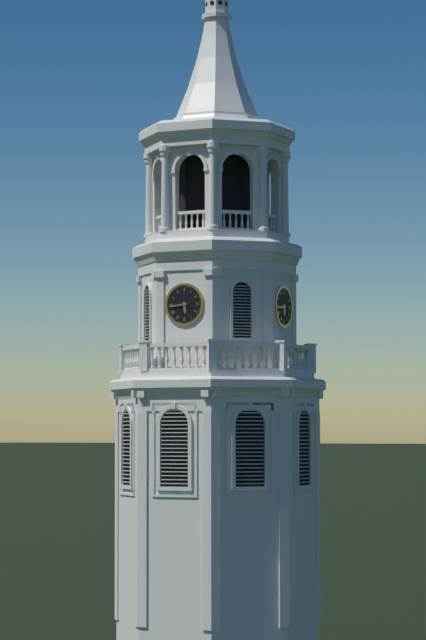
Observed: **5:44**
